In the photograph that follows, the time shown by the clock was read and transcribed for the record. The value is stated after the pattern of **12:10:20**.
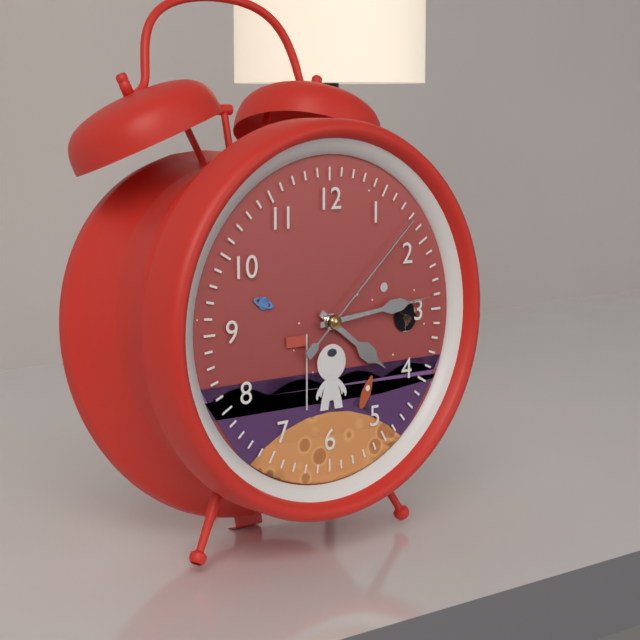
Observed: **4:14:08**
